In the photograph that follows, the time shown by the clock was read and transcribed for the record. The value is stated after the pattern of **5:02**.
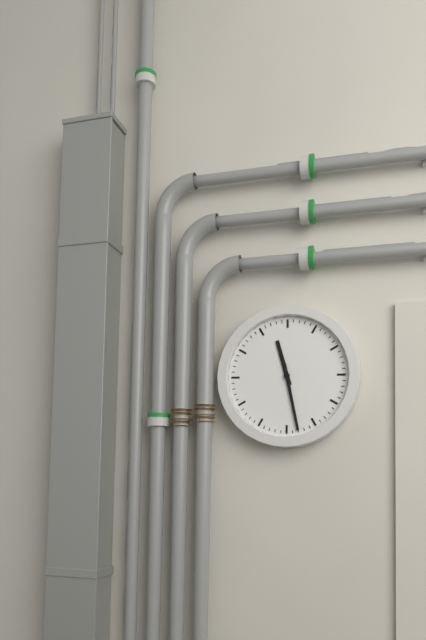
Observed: **11:28**
